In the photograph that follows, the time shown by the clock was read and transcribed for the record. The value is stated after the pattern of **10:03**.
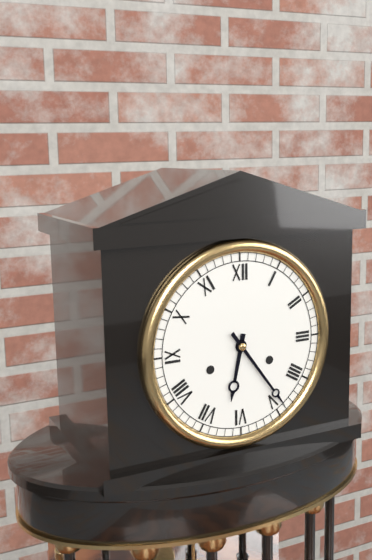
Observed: **6:24**
